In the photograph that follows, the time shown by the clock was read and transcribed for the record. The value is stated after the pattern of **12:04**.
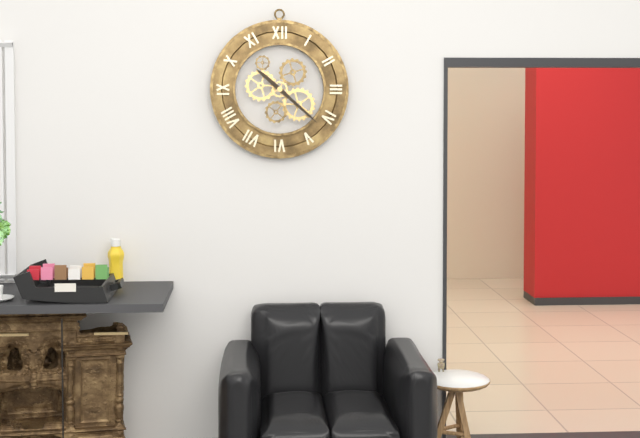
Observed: **10:22**
